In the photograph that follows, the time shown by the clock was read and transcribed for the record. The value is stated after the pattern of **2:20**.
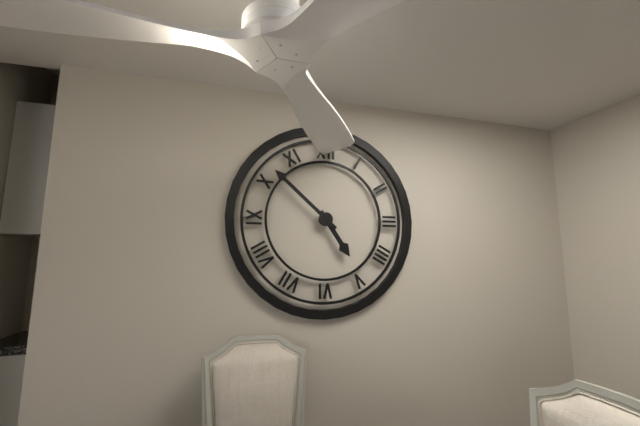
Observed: **4:52**
